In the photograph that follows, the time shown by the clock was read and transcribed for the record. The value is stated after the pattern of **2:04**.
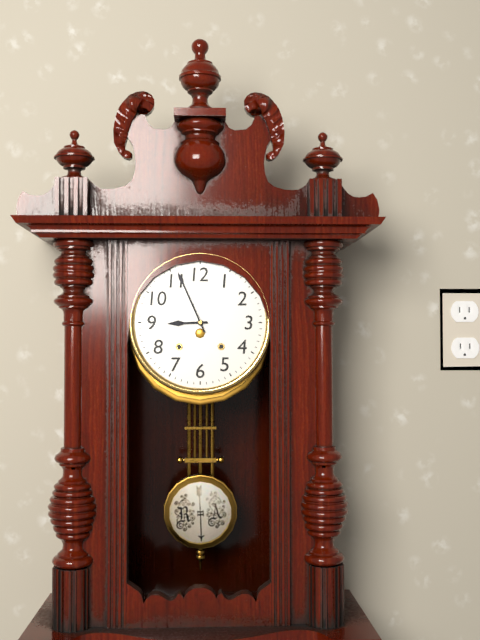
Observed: **8:56**
